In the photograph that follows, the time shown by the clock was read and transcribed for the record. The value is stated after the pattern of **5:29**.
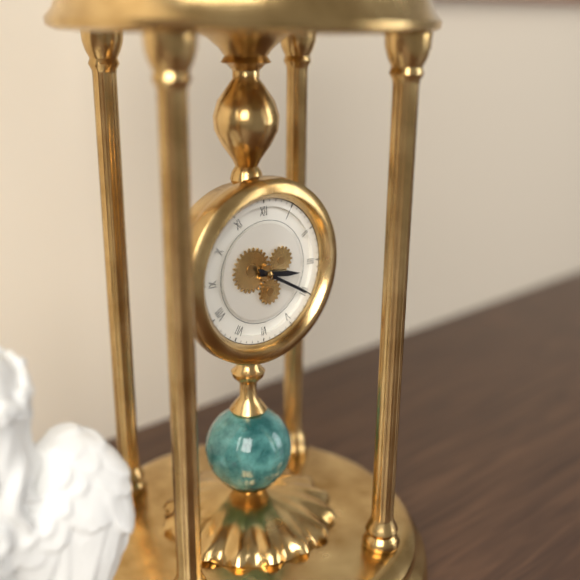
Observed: **3:20**
